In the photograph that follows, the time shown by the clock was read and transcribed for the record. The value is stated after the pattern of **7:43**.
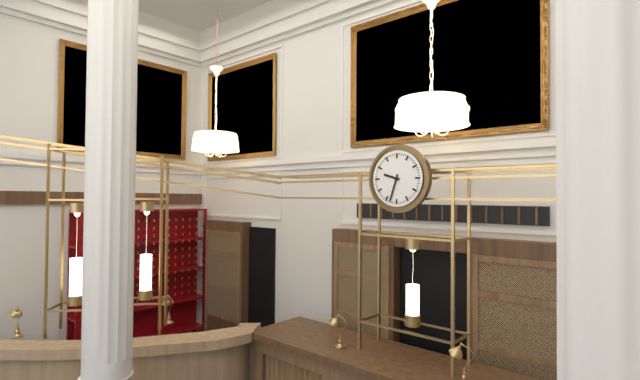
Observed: **9:33**
